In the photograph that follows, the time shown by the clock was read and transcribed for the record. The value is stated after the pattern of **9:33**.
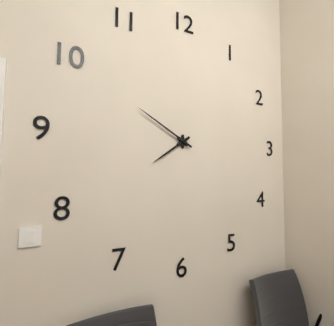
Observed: **7:50**
